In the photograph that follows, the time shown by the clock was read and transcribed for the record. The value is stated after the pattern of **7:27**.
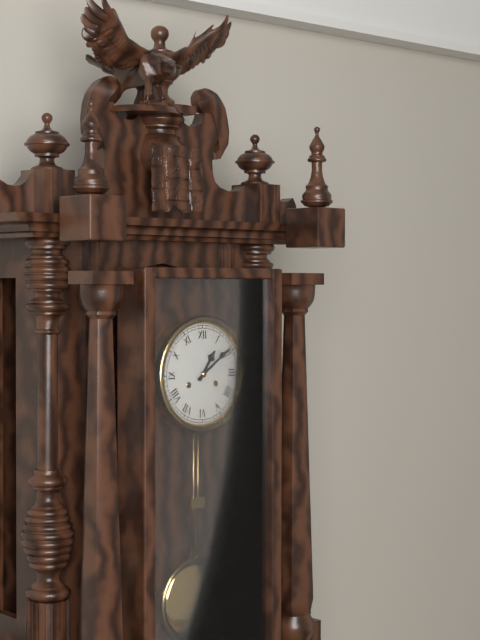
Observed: **1:09**
